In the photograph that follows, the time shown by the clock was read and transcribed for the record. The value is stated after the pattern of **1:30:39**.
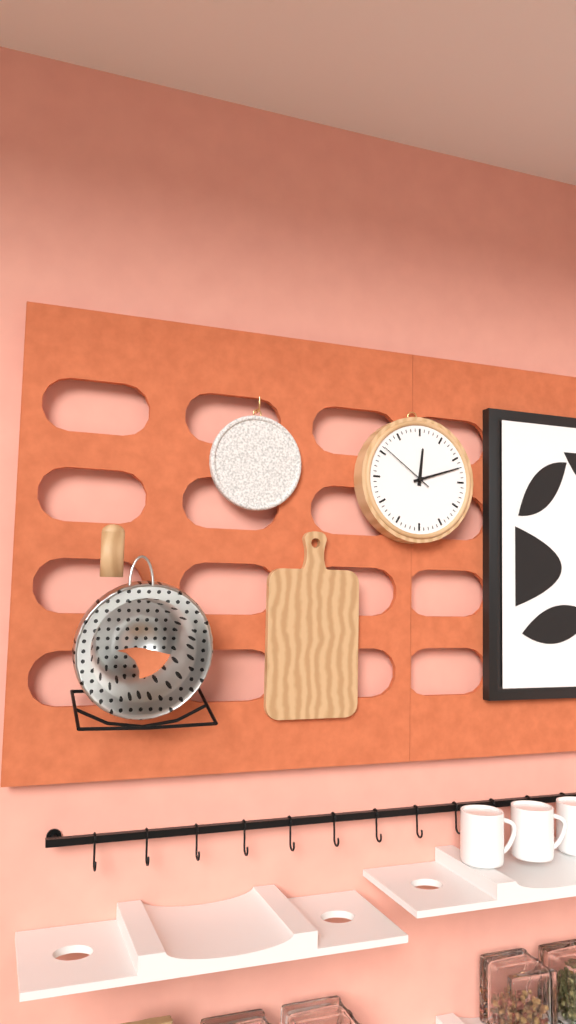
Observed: **12:12:51**
